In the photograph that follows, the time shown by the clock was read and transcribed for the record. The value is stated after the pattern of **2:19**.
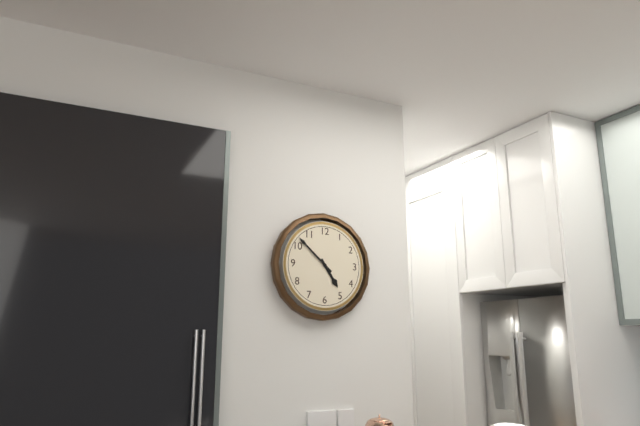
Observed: **4:52**
